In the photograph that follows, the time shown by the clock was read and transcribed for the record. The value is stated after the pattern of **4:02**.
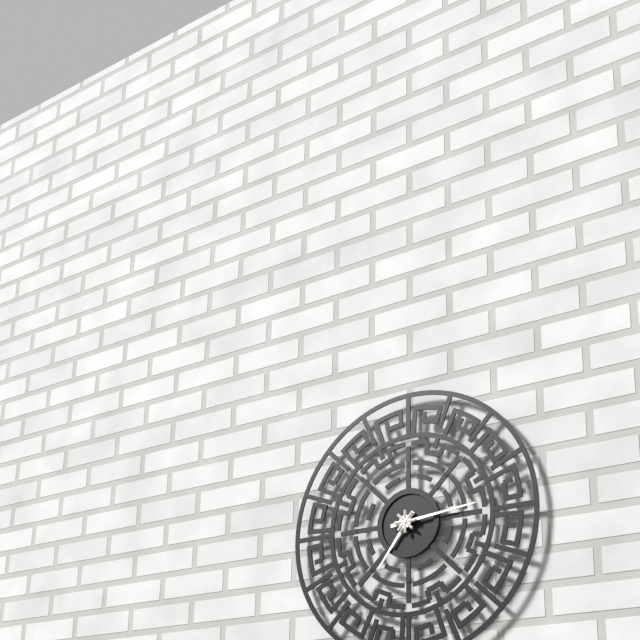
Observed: **7:14**
